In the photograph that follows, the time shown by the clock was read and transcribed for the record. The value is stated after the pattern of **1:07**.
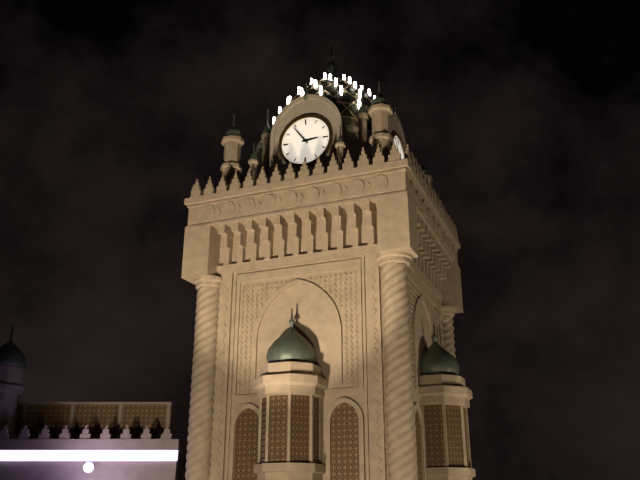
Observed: **2:54**
